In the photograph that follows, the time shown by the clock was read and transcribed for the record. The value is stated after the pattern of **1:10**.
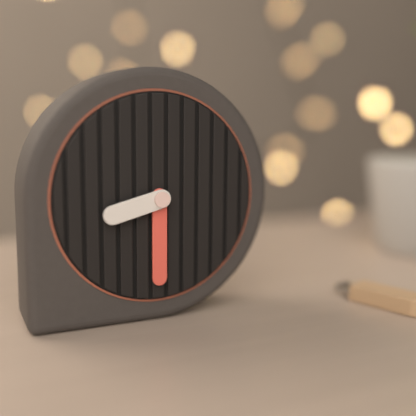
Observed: **8:30**
